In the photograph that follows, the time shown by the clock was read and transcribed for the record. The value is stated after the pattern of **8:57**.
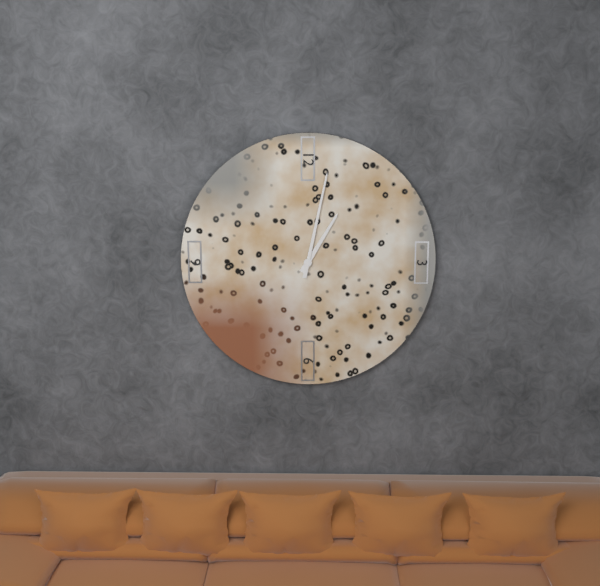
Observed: **1:02**
